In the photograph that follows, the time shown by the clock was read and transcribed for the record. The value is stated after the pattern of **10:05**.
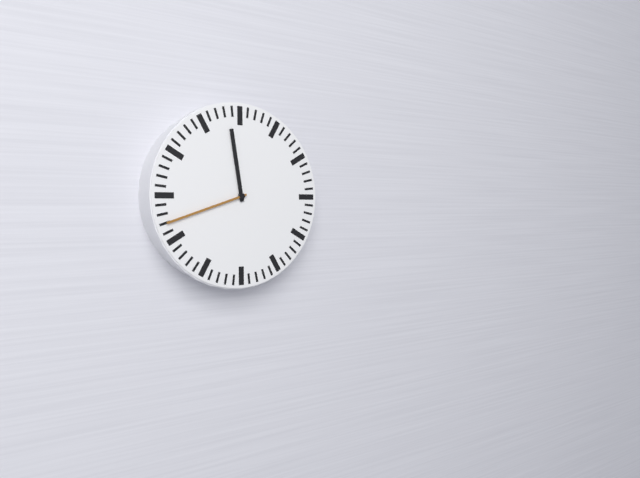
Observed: **11:42**
